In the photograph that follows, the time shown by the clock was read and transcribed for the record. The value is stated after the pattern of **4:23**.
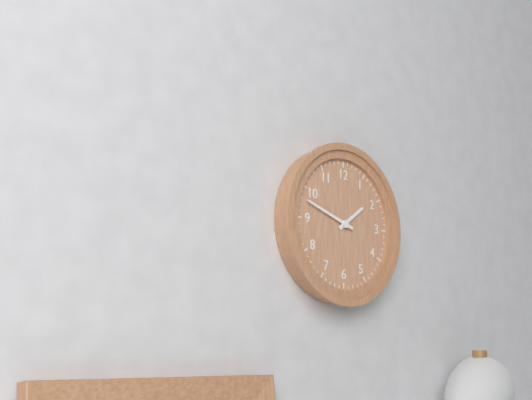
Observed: **1:48**
